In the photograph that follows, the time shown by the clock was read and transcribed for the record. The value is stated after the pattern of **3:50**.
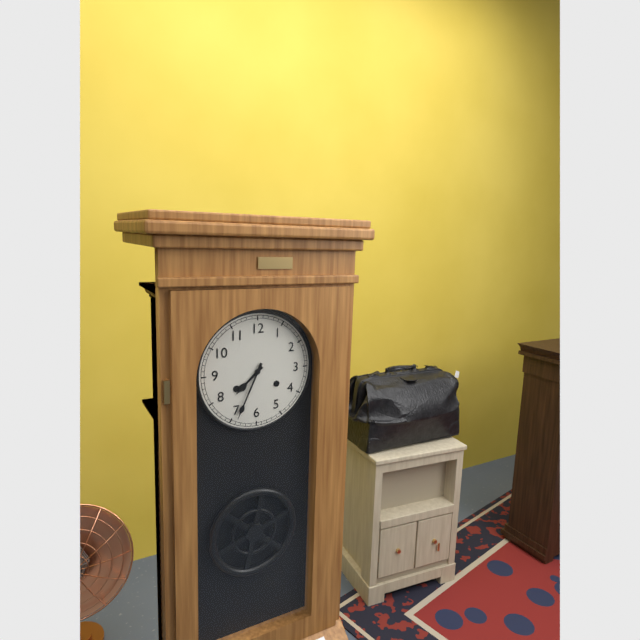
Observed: **7:34**
